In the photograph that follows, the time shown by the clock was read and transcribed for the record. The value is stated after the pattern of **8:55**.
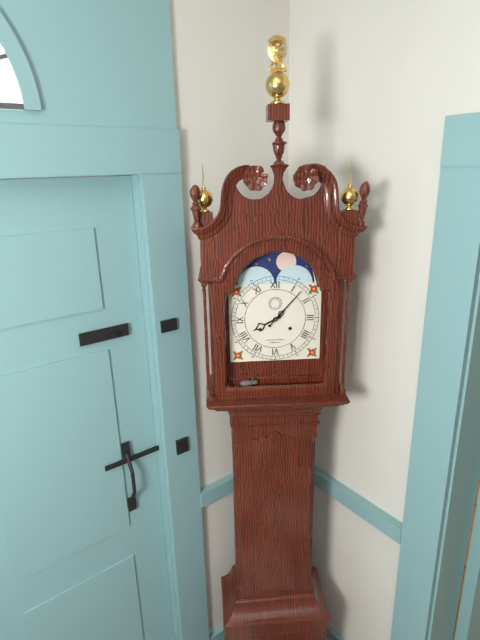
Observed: **8:07**
